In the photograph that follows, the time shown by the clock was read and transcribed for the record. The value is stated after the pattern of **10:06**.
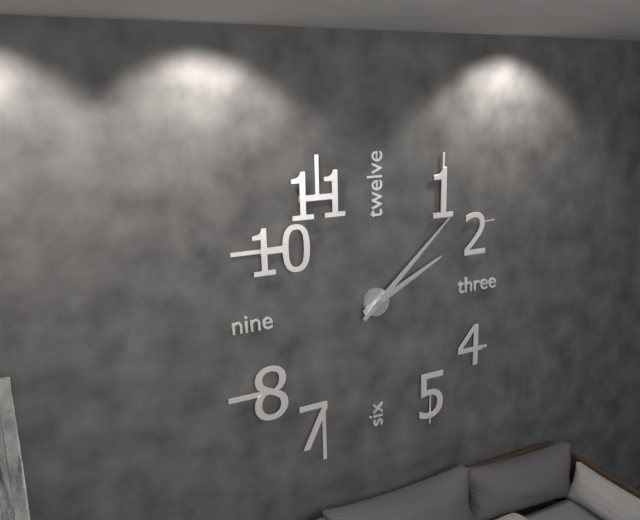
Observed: **2:08**
